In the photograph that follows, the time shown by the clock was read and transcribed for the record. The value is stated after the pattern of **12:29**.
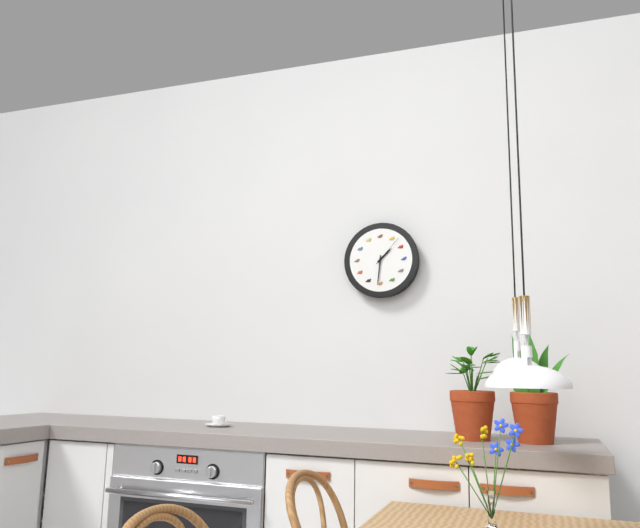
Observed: **1:31**
